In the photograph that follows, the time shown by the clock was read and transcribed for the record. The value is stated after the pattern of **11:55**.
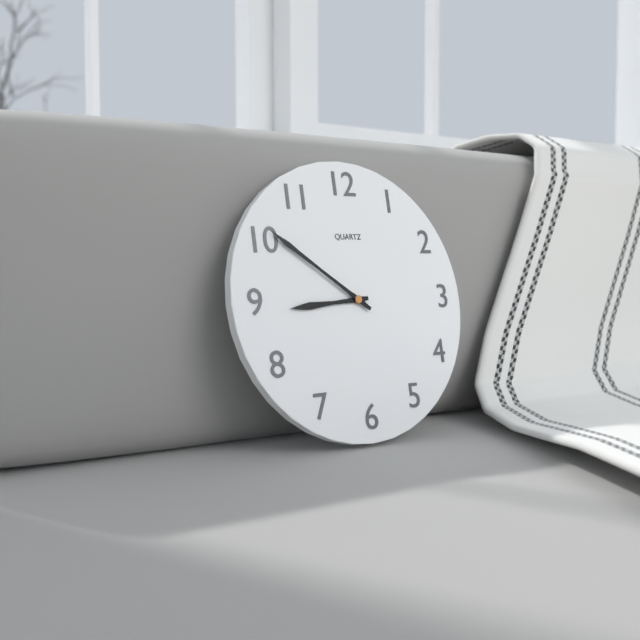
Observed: **8:51**
